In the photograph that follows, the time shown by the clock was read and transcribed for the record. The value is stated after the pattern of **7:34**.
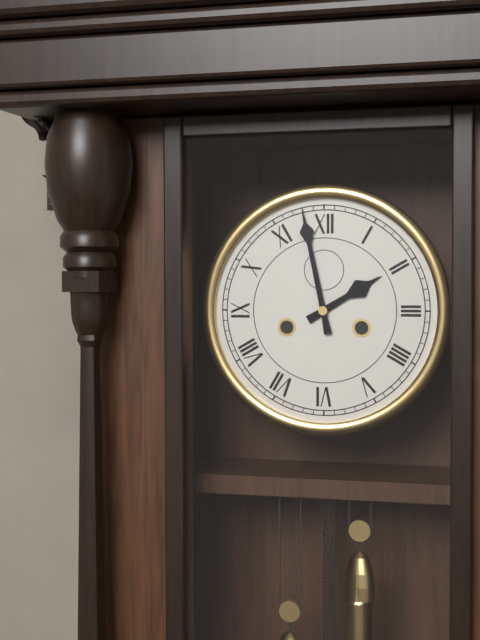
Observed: **1:58**
